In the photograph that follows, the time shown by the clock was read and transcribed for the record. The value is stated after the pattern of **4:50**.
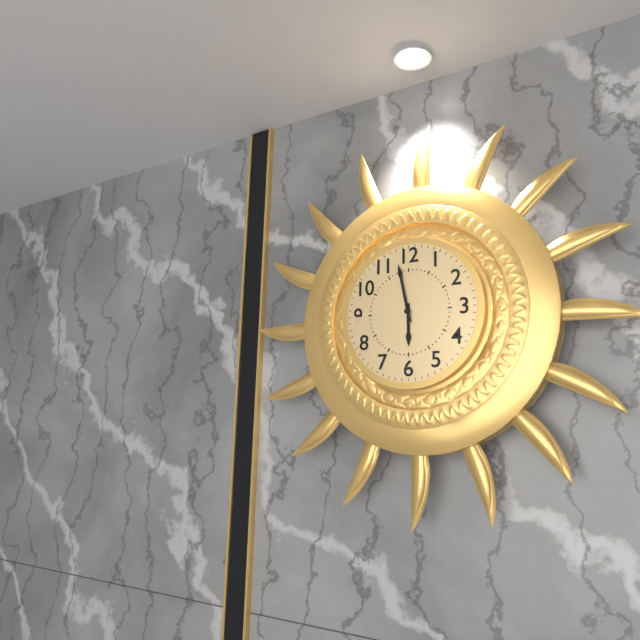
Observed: **5:58**
